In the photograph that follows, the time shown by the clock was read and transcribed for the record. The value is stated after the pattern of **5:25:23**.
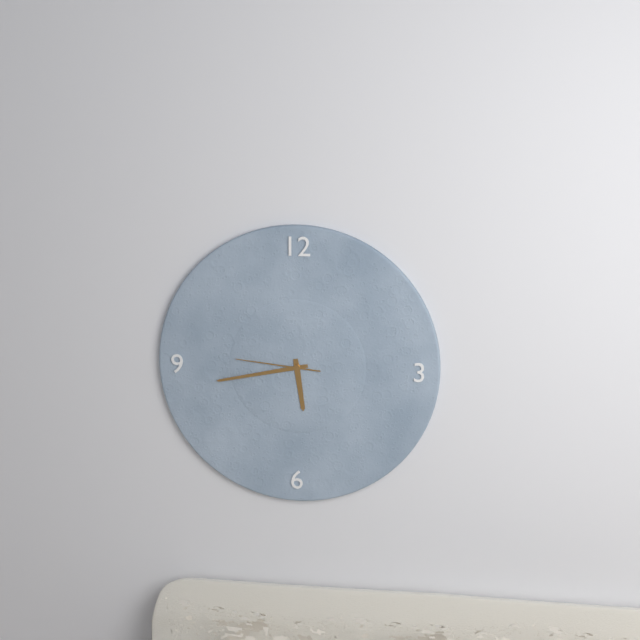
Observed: **5:43:46**
